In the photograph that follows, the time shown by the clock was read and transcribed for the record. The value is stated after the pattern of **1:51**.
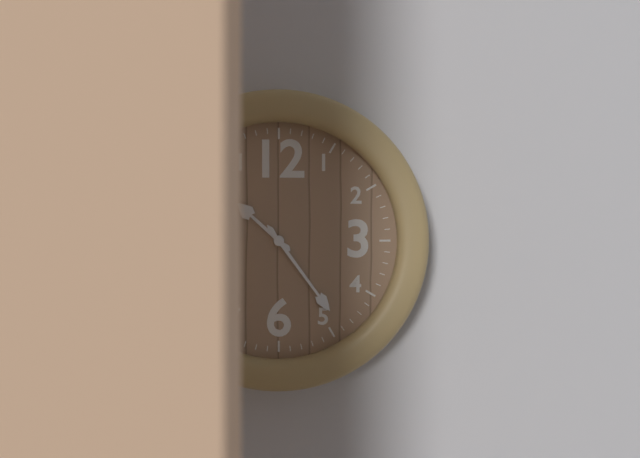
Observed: **10:24**
